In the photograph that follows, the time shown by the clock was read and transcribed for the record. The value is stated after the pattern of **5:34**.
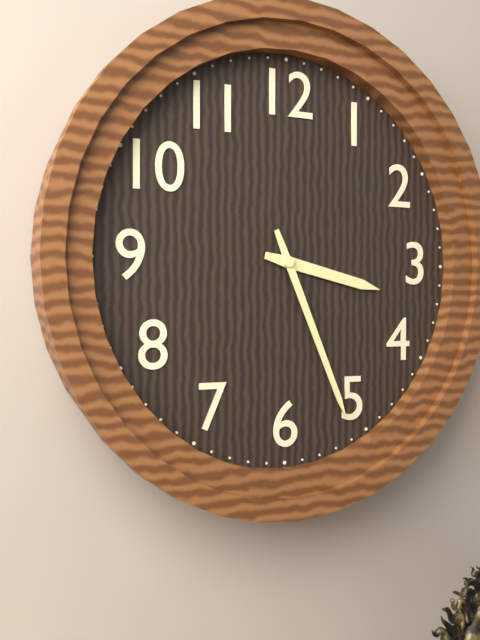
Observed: **3:26**
